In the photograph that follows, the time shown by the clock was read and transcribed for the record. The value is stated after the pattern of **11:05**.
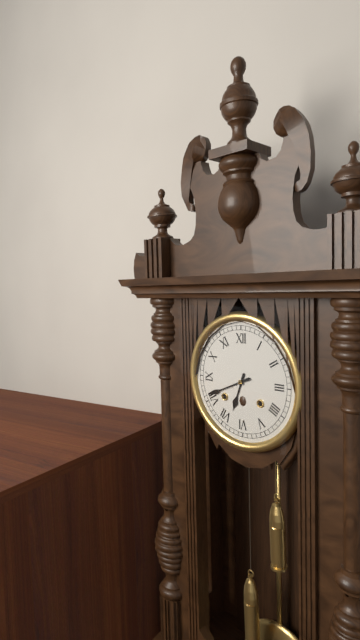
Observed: **6:41**
